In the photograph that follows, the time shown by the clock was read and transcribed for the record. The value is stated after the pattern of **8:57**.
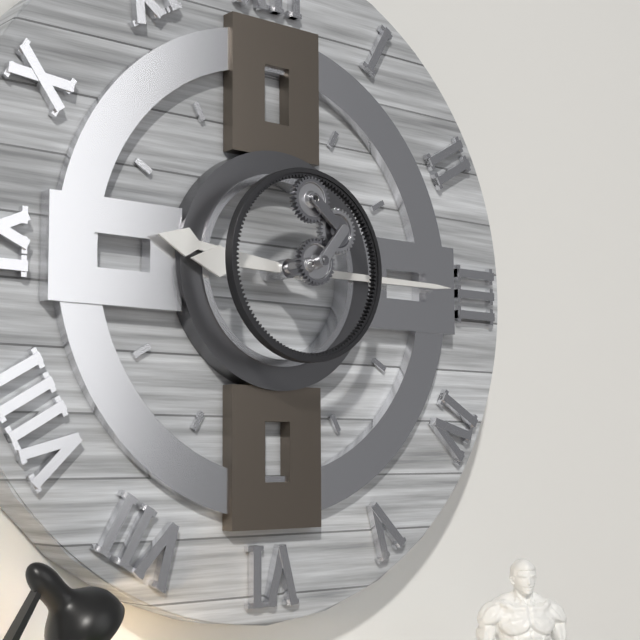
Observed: **9:15**
